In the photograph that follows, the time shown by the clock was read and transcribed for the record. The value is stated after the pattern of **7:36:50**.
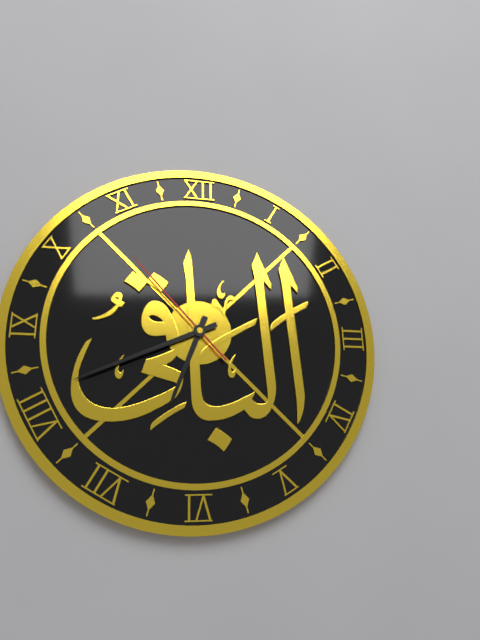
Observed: **6:41:53**
